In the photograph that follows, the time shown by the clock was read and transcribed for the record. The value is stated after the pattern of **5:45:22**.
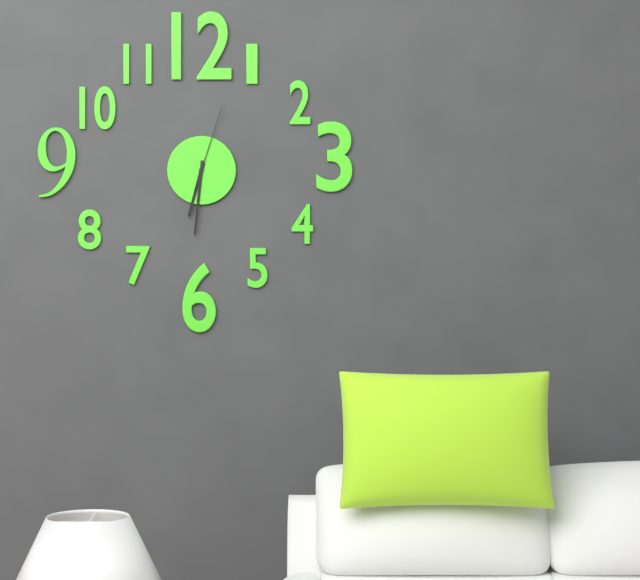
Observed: **6:31:03**
